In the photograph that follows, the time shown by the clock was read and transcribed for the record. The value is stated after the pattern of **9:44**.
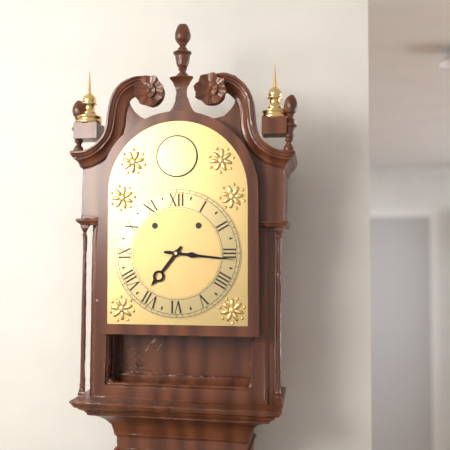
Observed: **7:16**
